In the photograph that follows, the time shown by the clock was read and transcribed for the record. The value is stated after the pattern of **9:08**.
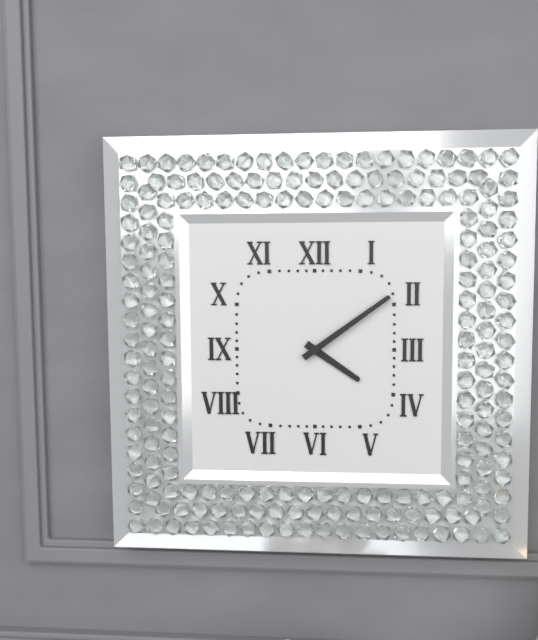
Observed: **4:09**
